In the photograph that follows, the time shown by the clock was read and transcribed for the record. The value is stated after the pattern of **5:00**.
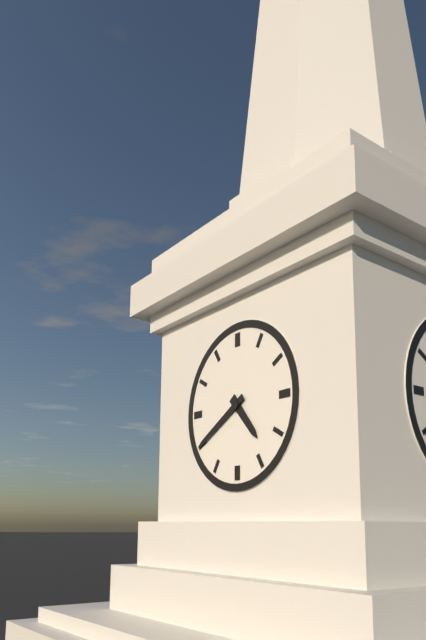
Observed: **4:40**
